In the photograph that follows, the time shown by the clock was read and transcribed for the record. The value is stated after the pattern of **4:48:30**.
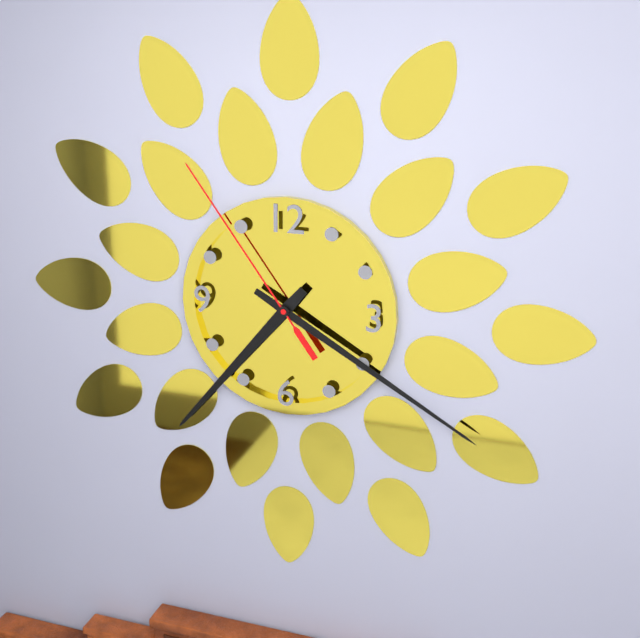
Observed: **7:20:54**
